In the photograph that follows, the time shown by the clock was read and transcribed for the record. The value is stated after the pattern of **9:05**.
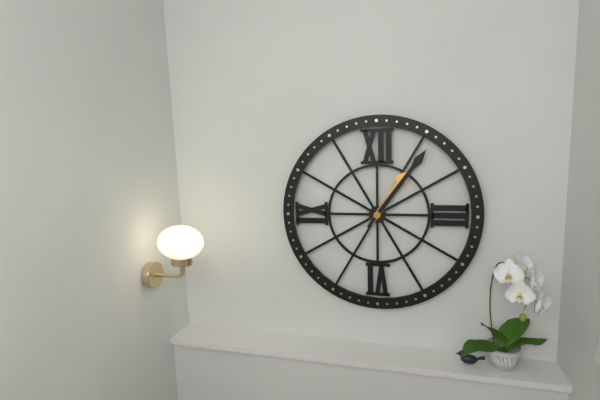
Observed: **1:06**
